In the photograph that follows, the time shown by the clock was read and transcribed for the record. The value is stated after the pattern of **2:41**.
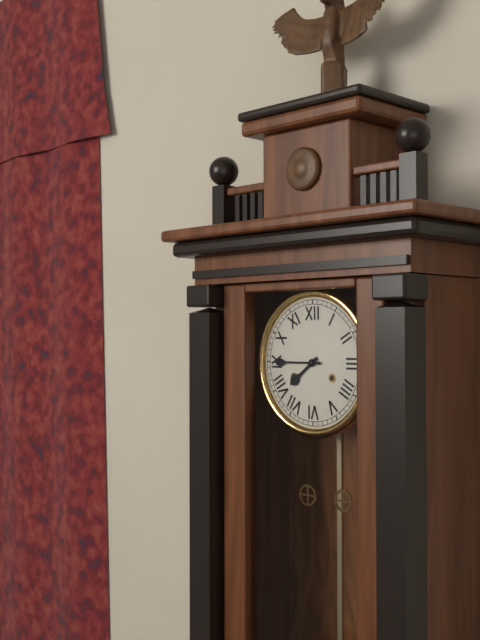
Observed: **7:45**
